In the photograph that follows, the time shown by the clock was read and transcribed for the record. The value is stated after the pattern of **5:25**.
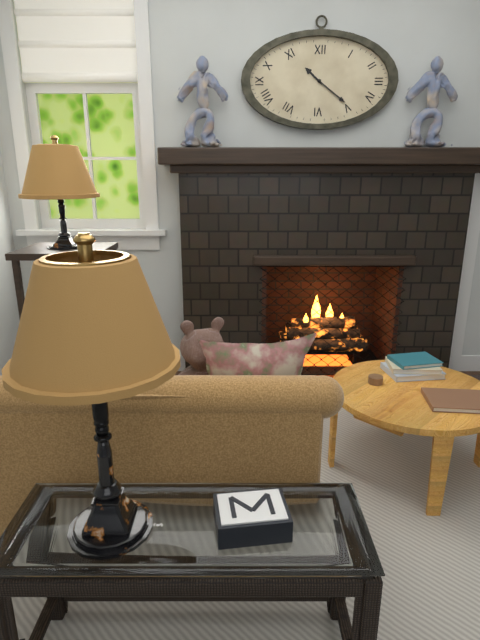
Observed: **10:21**
